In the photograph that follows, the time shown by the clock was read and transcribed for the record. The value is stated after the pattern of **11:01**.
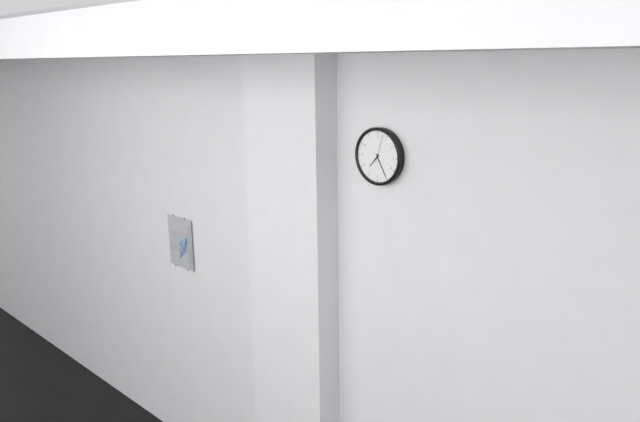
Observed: **7:25**
